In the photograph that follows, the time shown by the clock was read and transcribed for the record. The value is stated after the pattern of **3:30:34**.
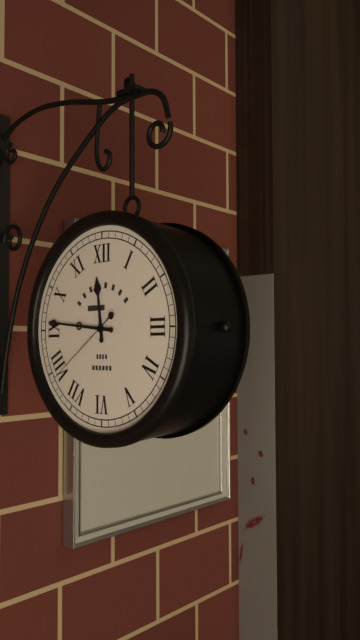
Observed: **11:46:39**
